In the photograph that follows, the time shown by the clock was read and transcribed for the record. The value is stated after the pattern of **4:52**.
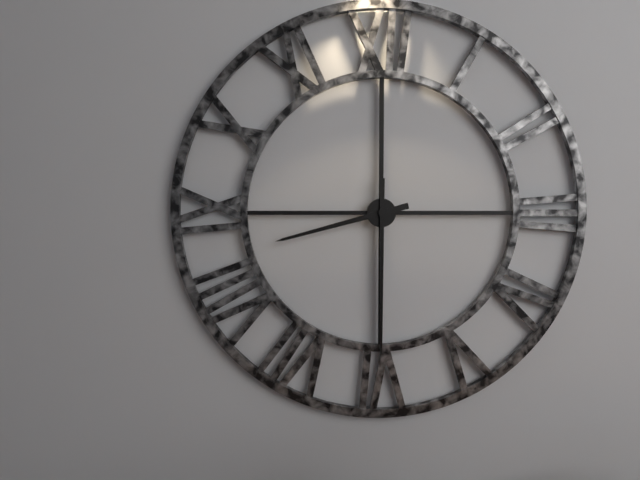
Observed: **8:30**
